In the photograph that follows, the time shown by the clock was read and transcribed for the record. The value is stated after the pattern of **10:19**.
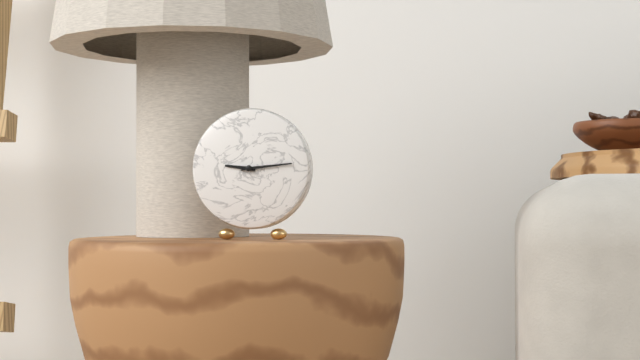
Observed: **9:14**
